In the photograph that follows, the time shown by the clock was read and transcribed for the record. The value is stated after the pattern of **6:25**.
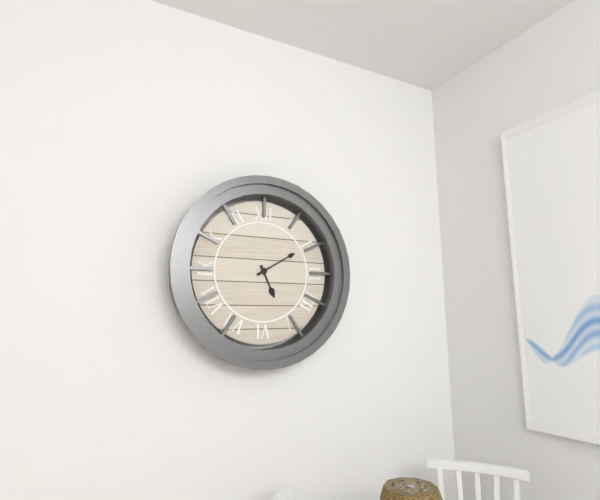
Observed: **5:10**
